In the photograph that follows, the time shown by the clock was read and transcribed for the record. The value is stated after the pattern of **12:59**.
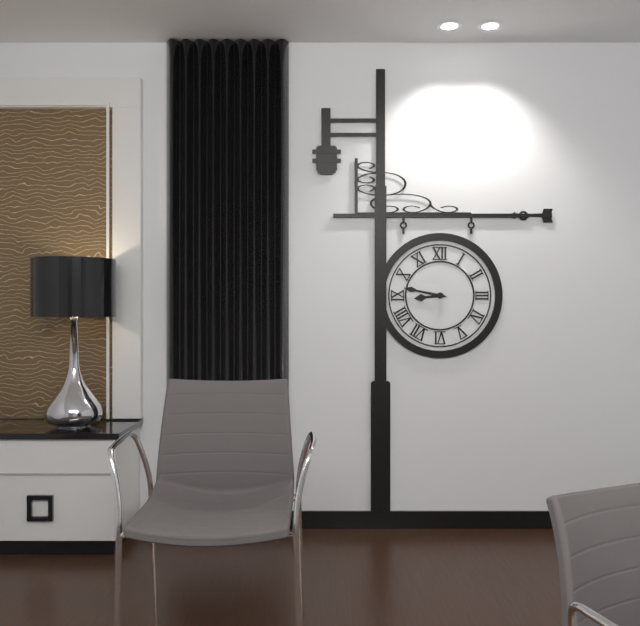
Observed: **8:47**
